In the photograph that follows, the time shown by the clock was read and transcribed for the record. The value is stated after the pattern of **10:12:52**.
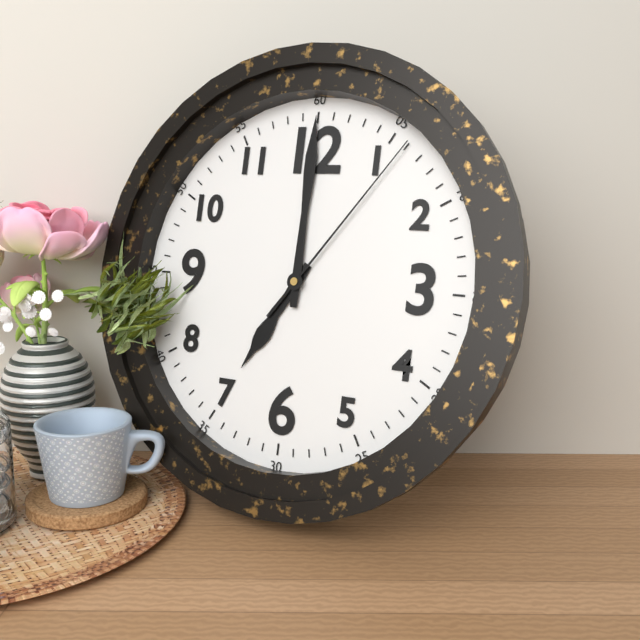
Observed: **7:00:06**
